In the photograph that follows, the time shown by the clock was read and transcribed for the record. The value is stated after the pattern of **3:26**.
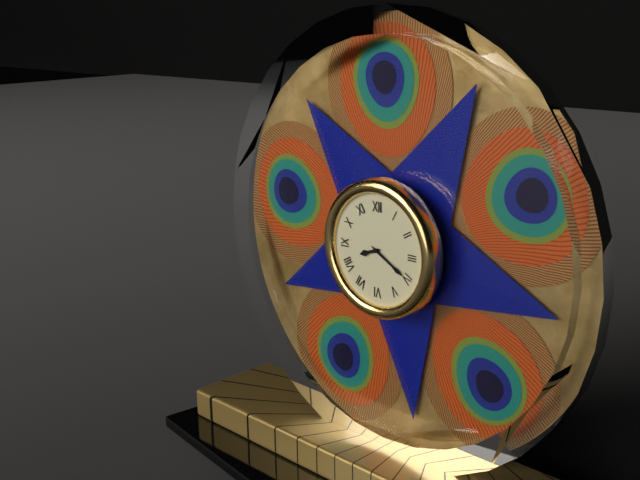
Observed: **8:20**
